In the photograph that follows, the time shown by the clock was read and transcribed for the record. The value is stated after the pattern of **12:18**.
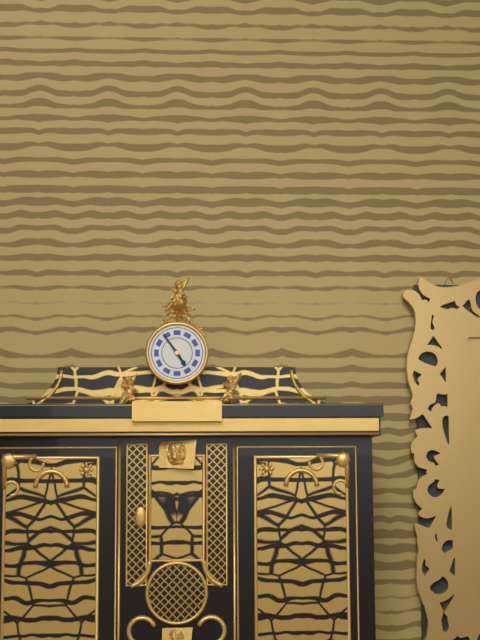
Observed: **4:54**
